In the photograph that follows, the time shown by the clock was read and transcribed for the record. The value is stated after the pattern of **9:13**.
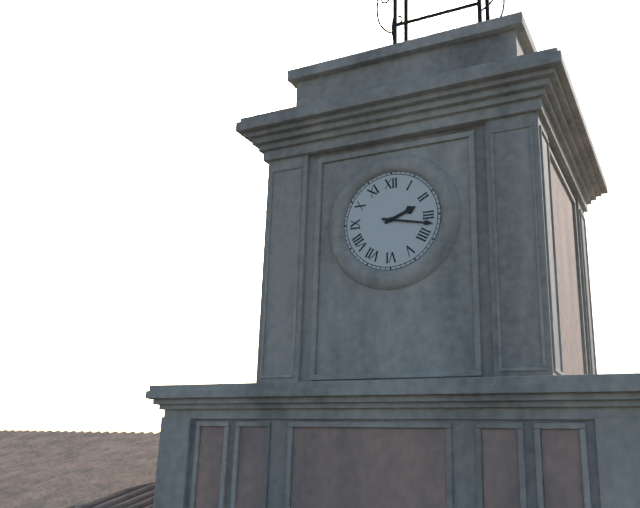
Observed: **2:17**
